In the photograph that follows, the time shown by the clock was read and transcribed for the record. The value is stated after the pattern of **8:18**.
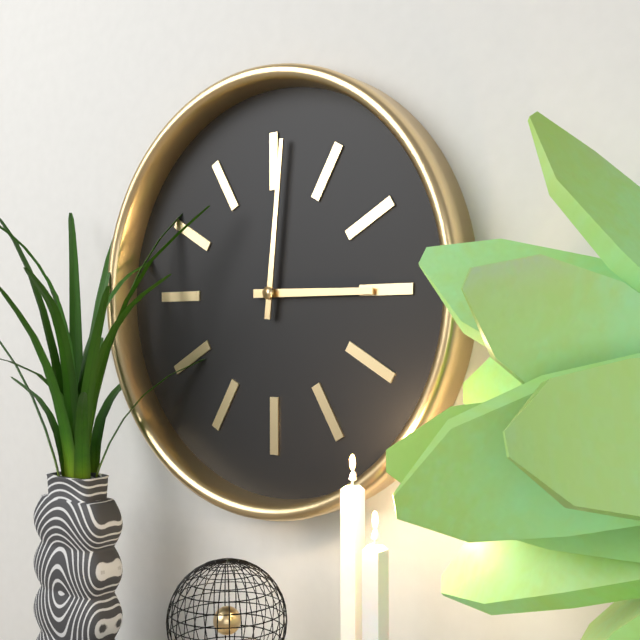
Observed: **3:01**
